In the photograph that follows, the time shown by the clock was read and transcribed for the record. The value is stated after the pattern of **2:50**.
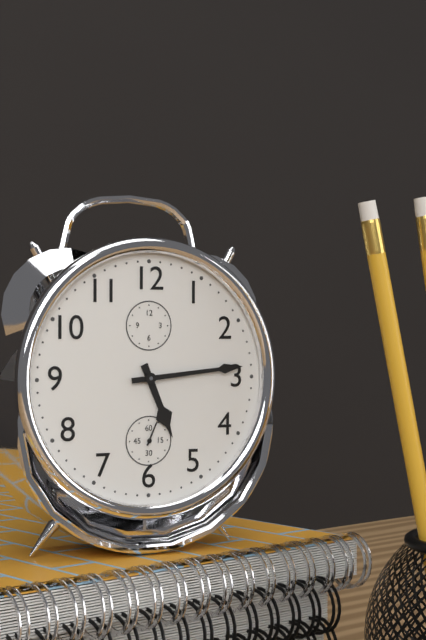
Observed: **5:14**
